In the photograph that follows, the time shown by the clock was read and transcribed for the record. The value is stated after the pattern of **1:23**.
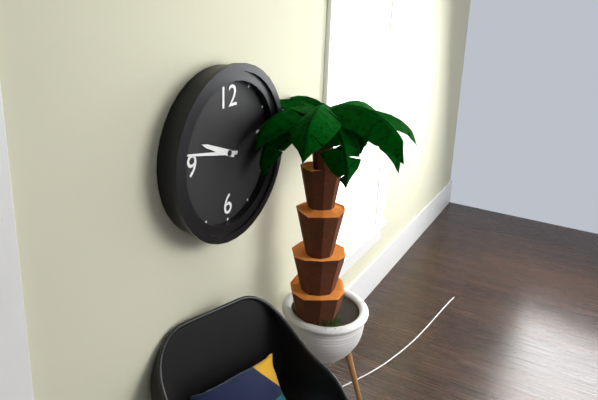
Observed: **9:47**
